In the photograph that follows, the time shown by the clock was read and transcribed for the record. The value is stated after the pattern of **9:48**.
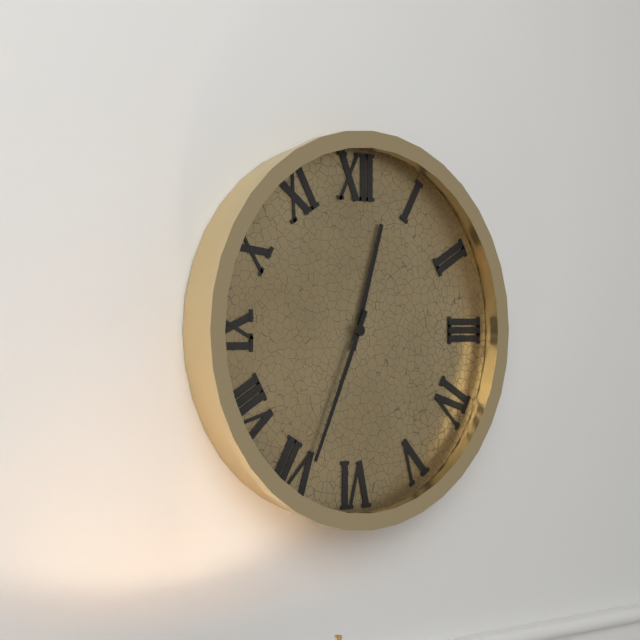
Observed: **12:34**
